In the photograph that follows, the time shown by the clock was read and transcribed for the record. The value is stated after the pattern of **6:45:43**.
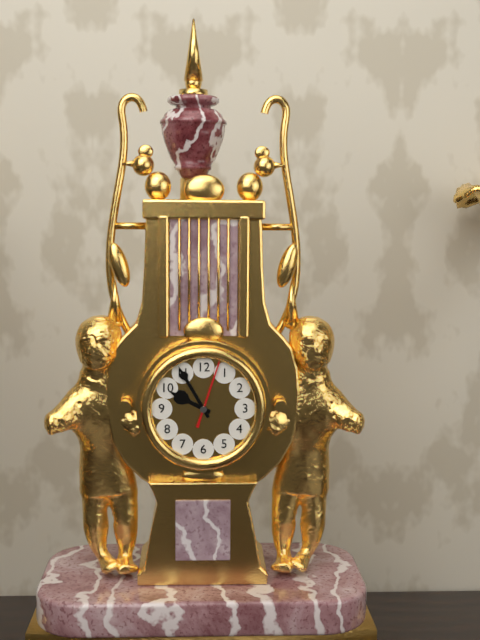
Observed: **9:55:03**
